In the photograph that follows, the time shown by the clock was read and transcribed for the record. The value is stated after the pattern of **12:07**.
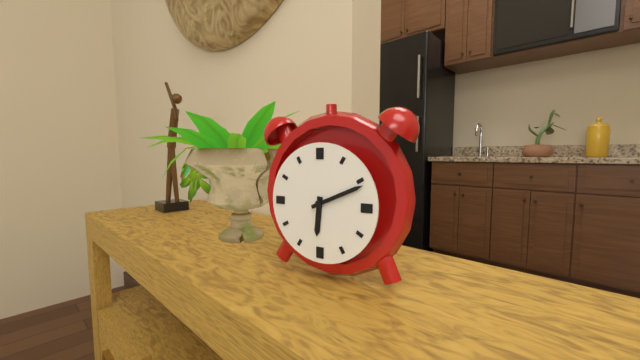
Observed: **6:11**
